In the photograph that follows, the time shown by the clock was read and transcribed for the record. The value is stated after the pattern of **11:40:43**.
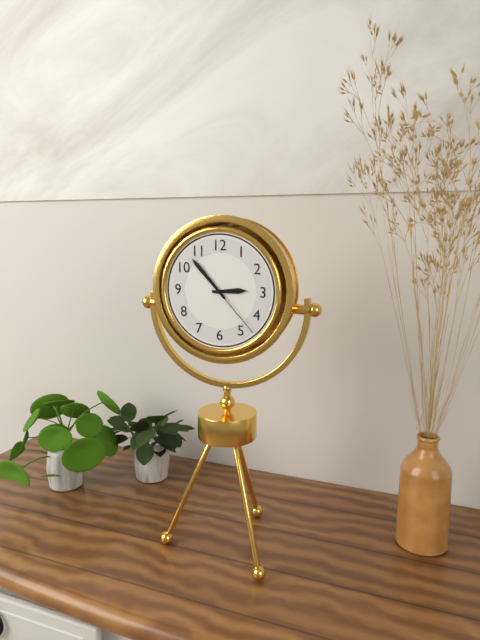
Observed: **2:53:23**
